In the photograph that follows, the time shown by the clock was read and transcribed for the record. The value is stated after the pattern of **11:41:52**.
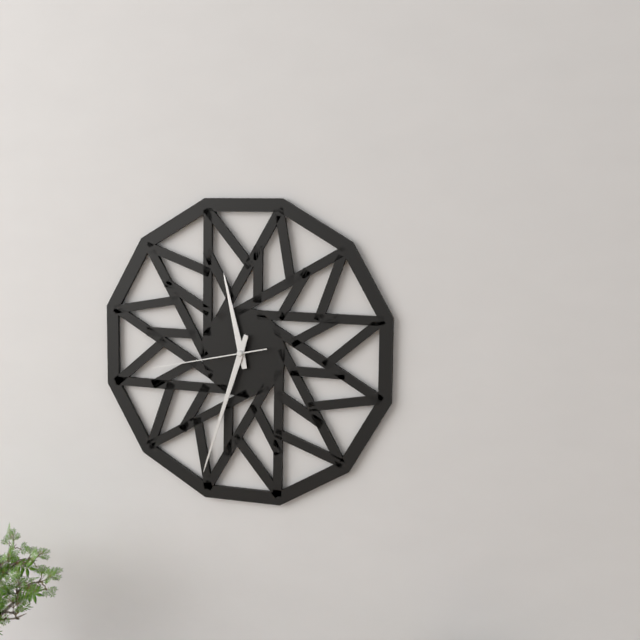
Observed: **11:33:43**
